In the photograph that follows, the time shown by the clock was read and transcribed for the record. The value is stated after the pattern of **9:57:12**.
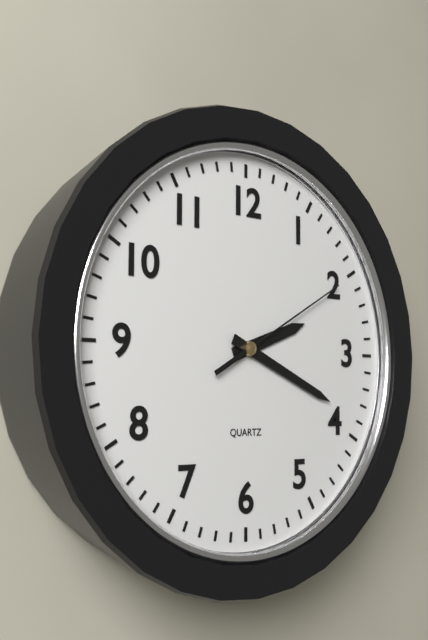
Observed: **2:19:10**
